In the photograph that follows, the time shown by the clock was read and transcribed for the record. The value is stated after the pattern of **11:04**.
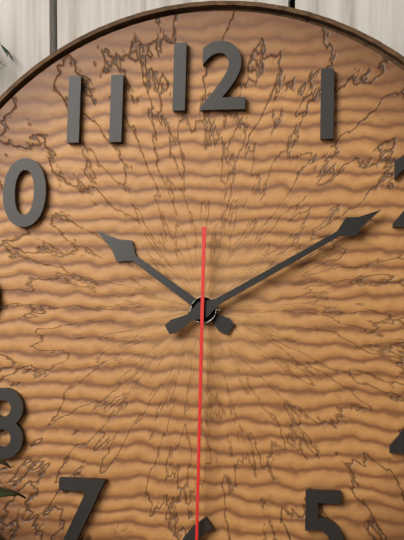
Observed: **10:10**
